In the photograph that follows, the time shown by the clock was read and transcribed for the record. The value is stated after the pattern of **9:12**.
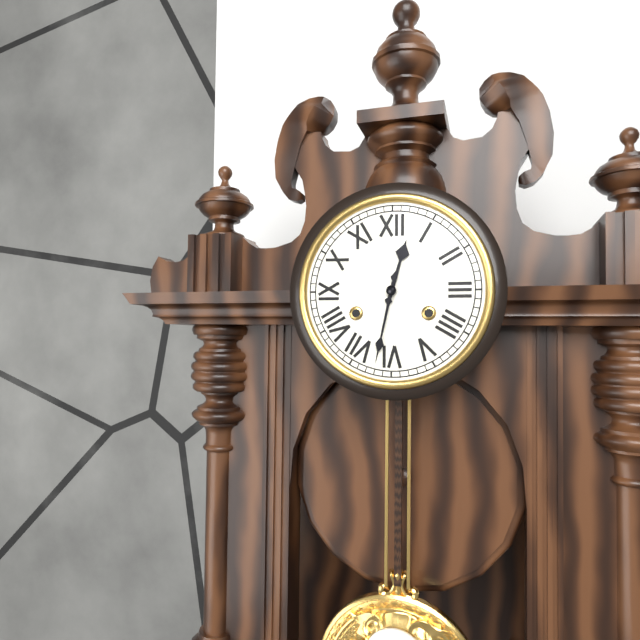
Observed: **12:32**
